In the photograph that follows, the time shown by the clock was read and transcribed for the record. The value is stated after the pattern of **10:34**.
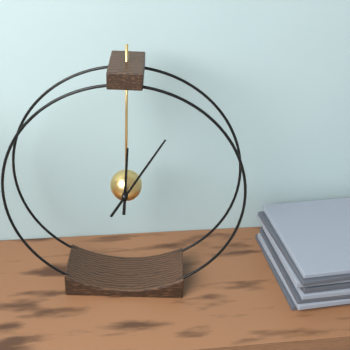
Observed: **12:05**
